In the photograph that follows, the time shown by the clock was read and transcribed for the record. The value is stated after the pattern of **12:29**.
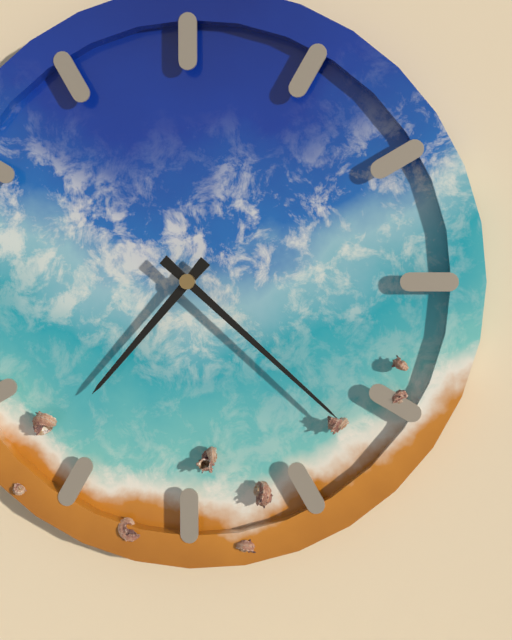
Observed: **7:22**
